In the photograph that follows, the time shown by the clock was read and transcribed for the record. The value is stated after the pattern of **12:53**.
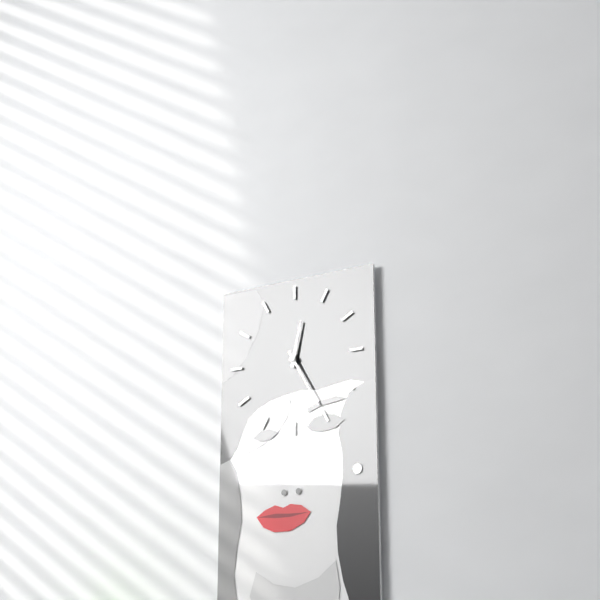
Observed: **12:25**
